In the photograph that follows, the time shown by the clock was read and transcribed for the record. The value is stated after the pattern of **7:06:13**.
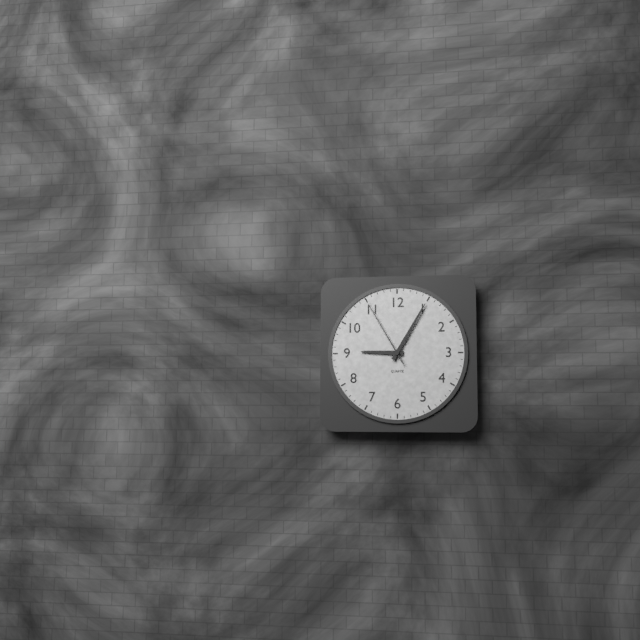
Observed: **9:05:55**
